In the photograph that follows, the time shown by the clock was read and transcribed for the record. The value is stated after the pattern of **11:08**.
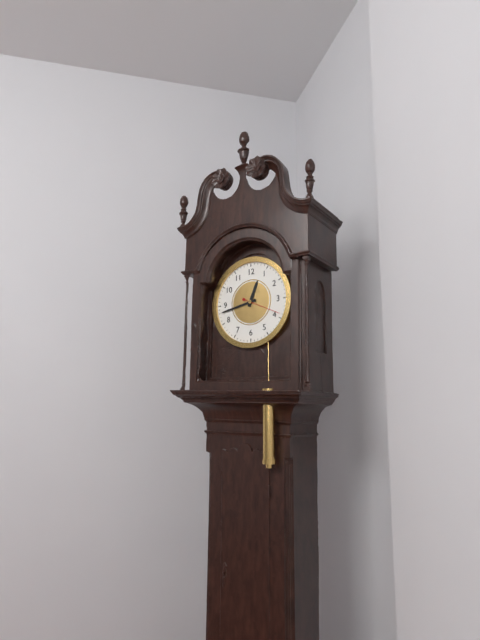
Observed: **12:43**
